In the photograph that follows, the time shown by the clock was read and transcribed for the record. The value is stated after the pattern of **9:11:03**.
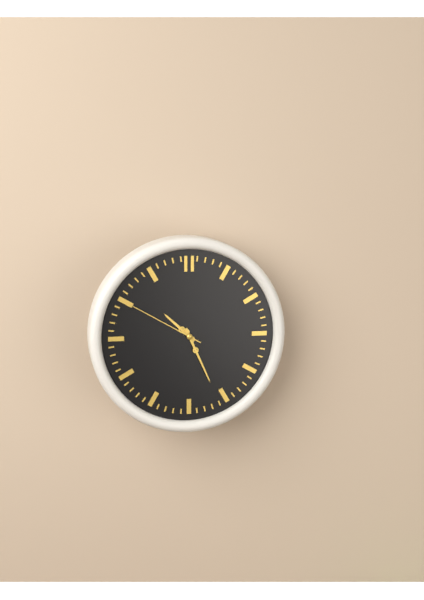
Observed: **10:26:50**
